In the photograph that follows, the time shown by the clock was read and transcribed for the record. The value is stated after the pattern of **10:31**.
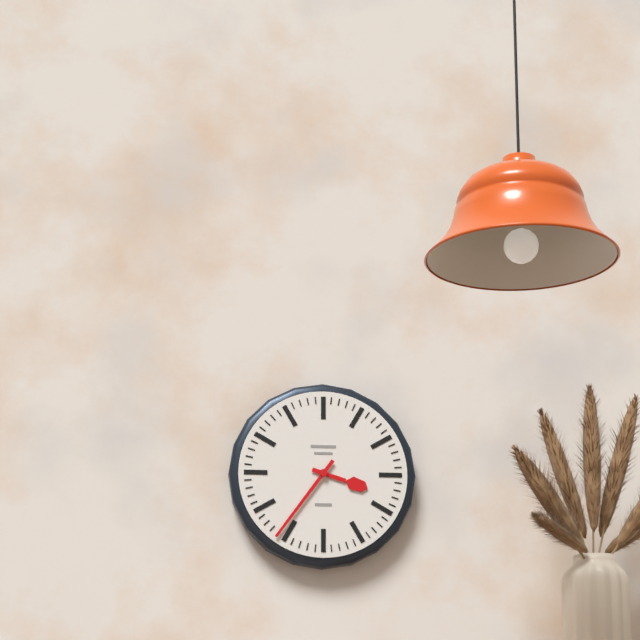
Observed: **3:36**
